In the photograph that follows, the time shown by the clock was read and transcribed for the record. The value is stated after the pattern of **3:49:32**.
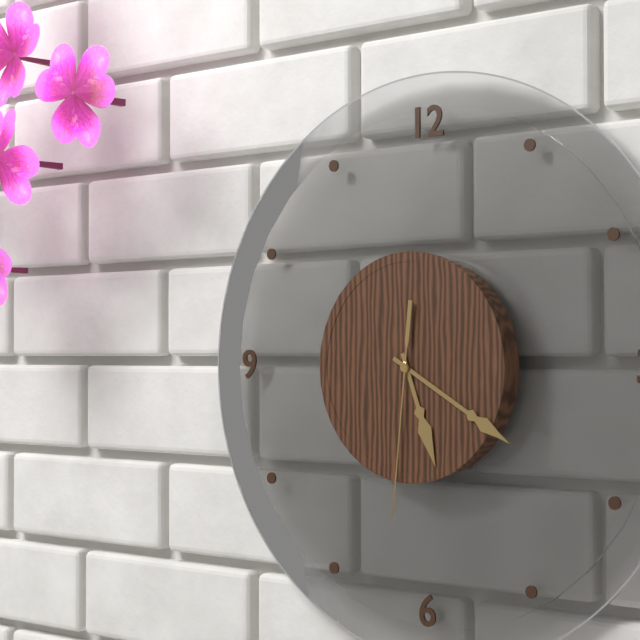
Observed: **5:20:31**
